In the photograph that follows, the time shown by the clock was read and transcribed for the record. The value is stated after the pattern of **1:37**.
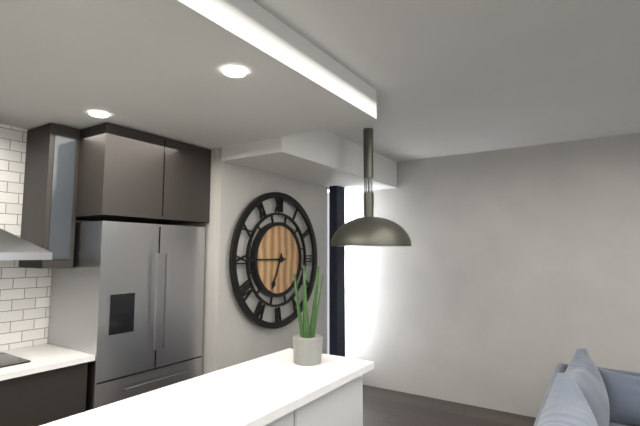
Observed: **6:45**
